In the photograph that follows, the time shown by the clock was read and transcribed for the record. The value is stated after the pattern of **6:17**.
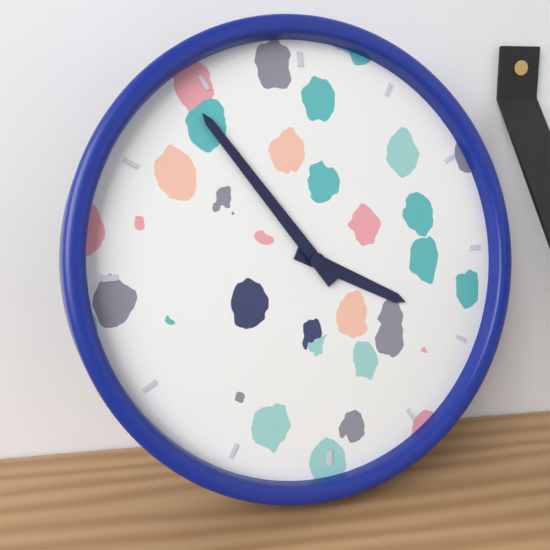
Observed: **3:54**
